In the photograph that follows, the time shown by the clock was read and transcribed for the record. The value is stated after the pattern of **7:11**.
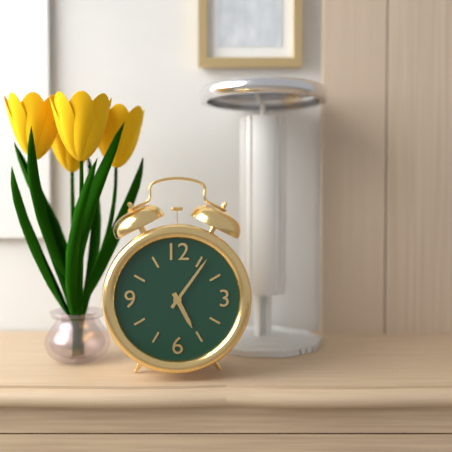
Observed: **5:06**
